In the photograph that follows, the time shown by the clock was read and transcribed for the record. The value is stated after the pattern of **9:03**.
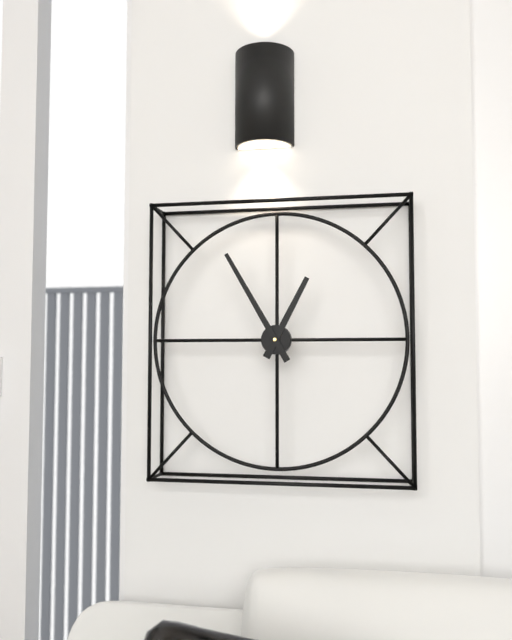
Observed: **12:55**
